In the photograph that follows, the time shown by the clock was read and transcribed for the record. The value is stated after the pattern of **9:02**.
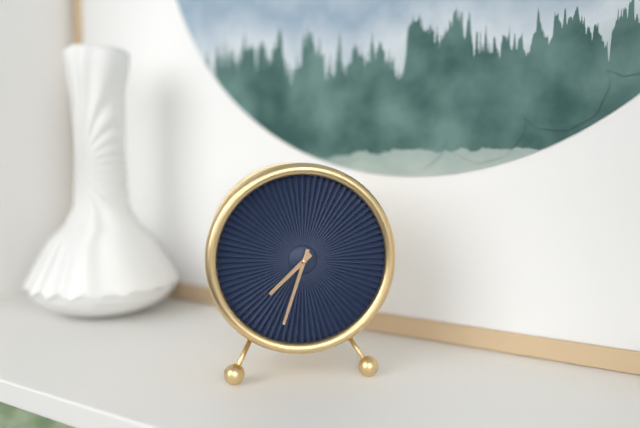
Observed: **7:33**
